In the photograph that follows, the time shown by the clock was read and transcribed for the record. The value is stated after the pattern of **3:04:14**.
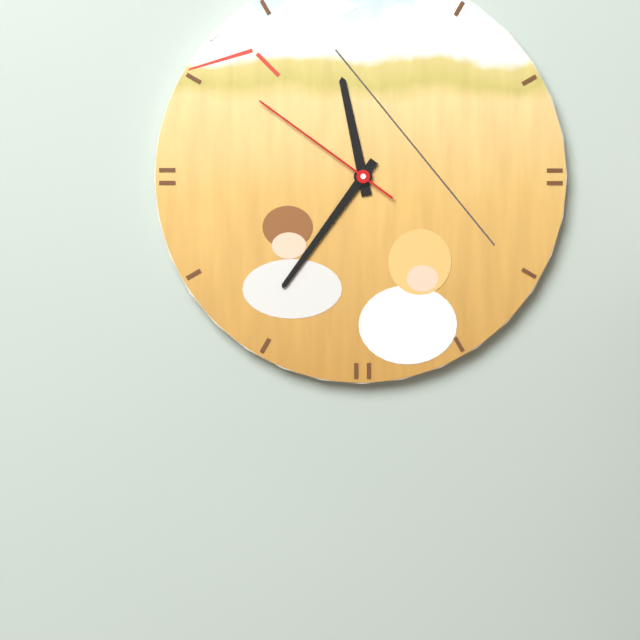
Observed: **11:36:51**
